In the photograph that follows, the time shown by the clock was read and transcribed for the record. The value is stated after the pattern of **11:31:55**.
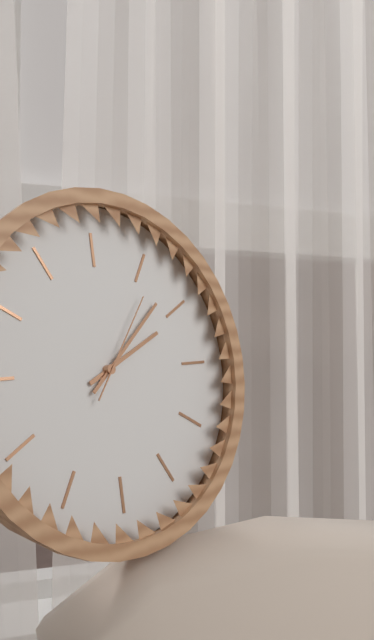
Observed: **2:08:06**
